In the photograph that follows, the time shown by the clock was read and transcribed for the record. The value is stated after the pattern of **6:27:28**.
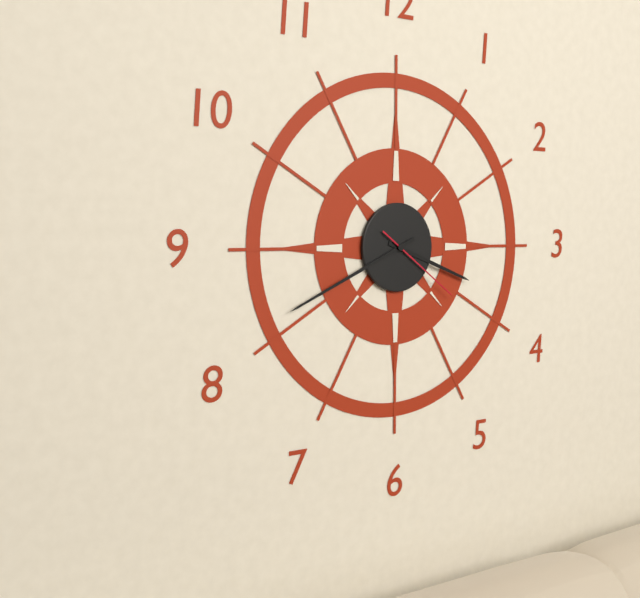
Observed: **3:41:21**
